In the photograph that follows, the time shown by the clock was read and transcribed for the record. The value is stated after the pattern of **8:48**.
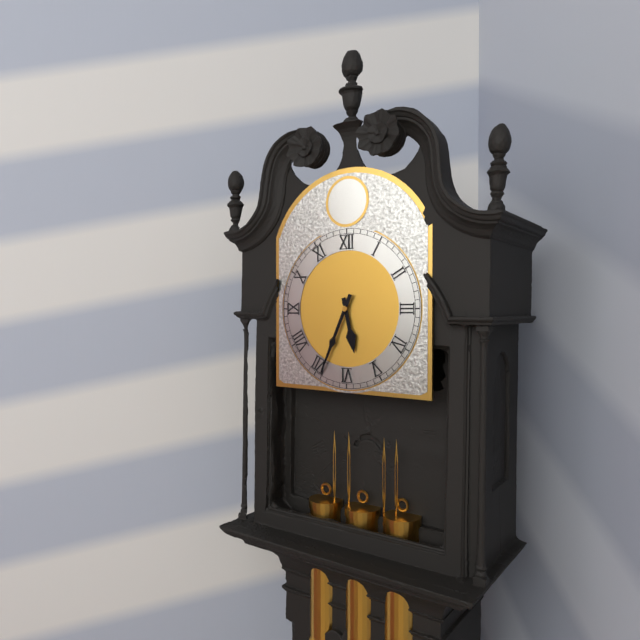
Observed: **5:34**
